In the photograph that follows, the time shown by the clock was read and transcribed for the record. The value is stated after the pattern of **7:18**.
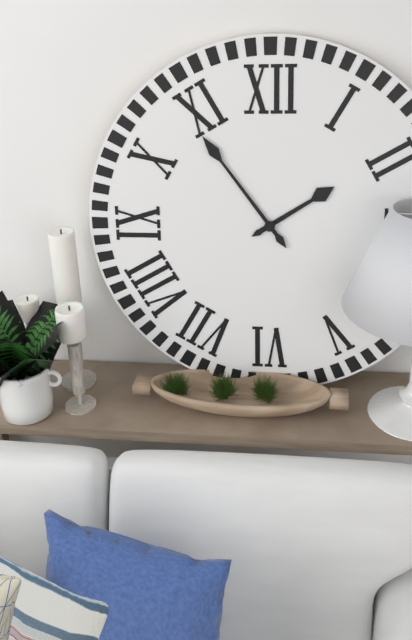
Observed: **1:54**
